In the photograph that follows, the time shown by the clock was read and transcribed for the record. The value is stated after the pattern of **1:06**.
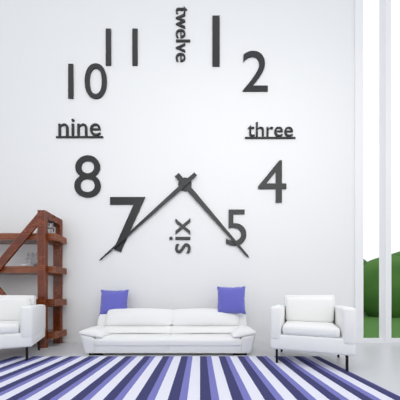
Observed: **4:38**
